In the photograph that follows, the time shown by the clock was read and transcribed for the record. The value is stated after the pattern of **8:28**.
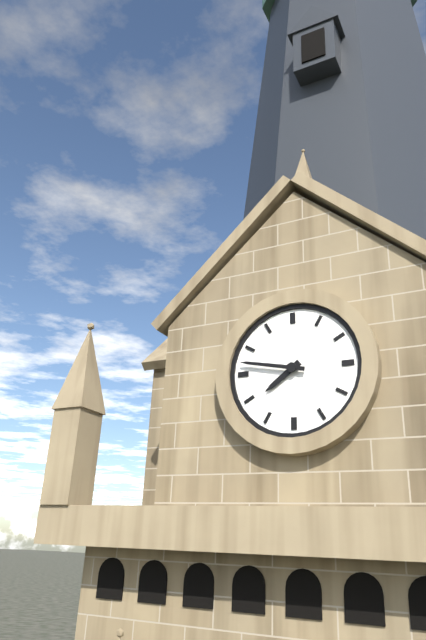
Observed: **7:47**
